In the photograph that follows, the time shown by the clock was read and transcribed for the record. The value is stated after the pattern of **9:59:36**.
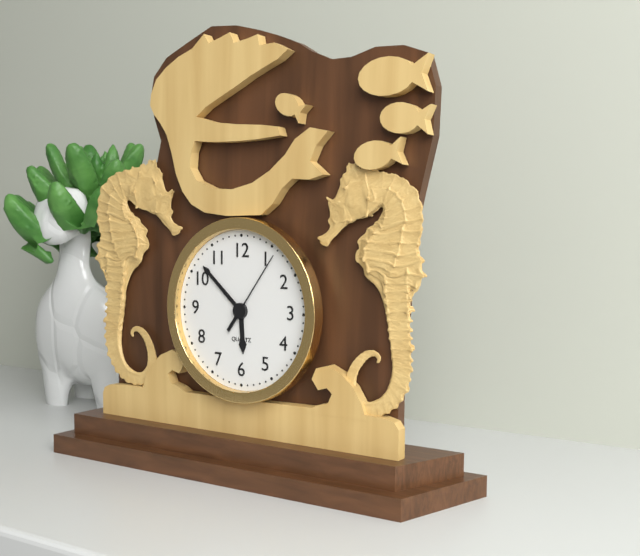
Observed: **5:52:06**
